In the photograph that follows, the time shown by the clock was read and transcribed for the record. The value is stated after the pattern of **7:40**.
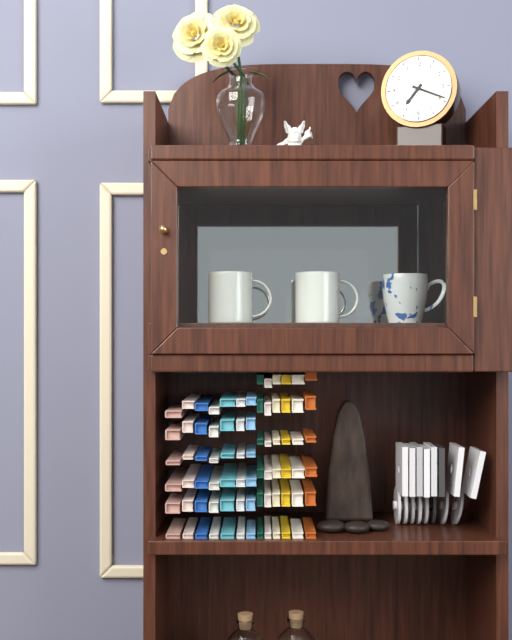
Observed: **7:19**
